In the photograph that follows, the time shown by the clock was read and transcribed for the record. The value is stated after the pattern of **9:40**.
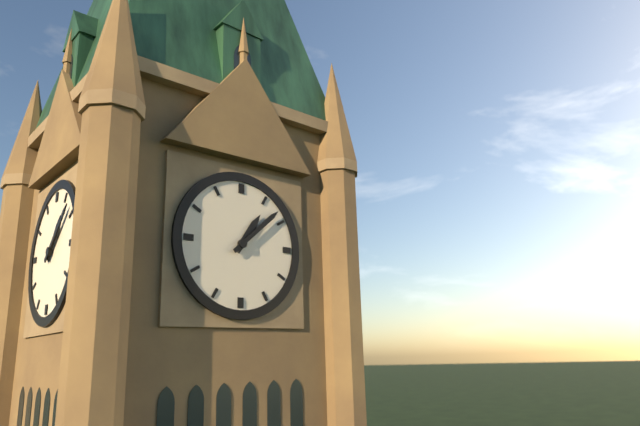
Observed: **1:08**
